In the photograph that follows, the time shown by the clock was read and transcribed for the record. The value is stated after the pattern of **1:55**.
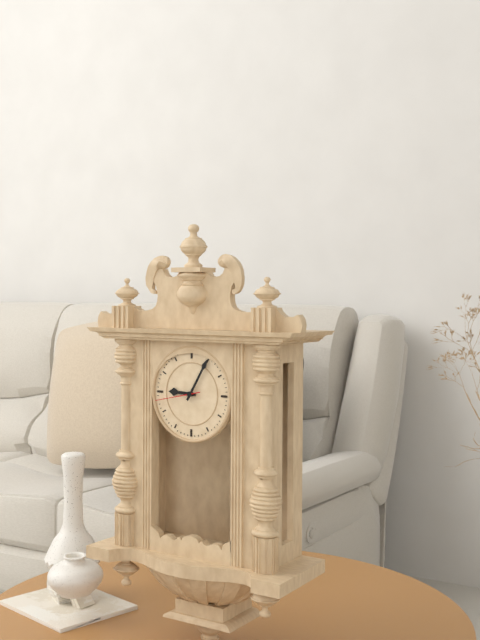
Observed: **9:05**
